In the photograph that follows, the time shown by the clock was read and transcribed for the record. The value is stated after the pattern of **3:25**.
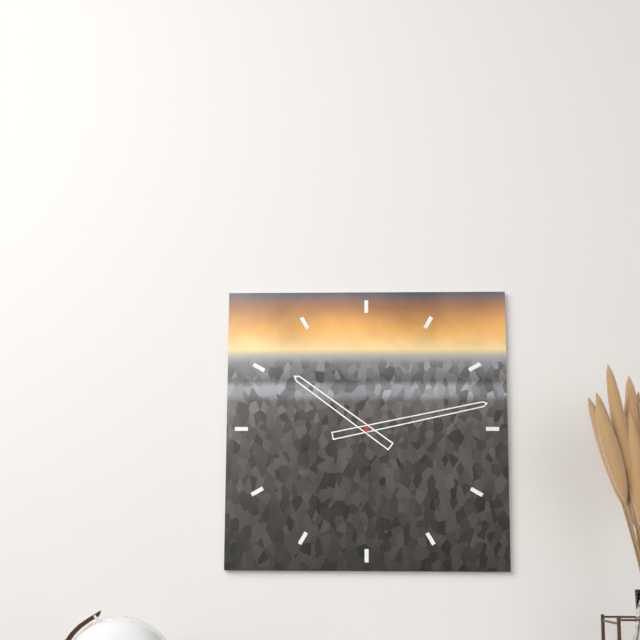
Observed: **10:13**
